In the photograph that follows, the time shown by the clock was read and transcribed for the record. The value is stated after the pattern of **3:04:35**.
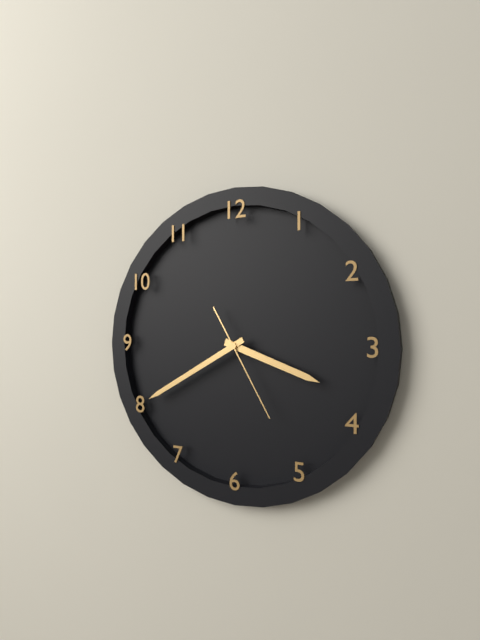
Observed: **3:40:25**
